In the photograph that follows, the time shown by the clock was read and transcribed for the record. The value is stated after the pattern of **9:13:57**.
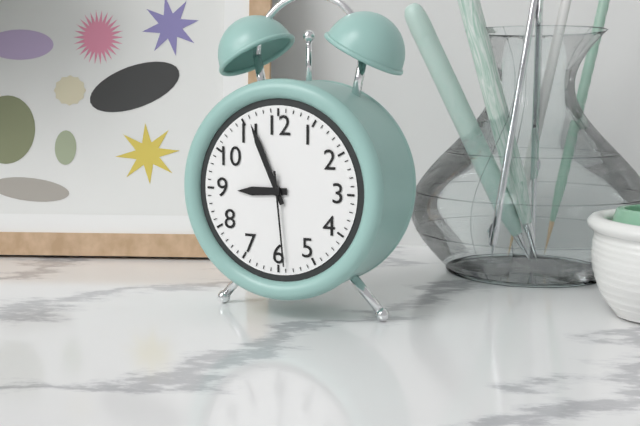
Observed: **8:56:29**
